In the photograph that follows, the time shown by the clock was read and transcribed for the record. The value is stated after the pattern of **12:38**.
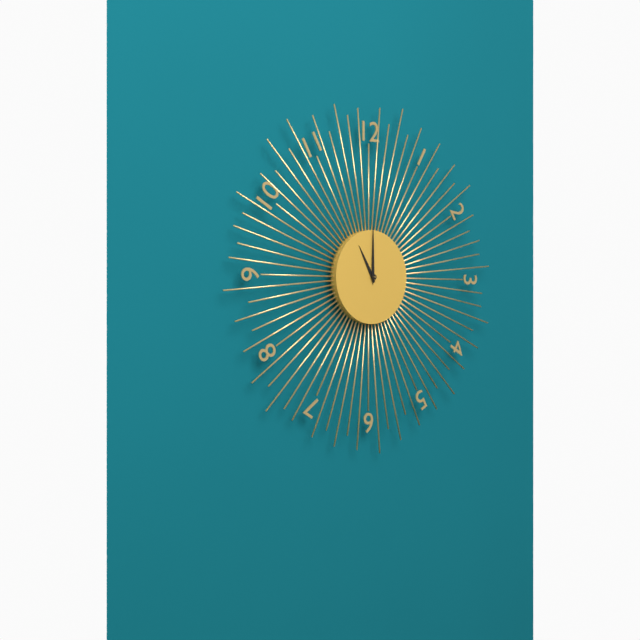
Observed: **11:00**
